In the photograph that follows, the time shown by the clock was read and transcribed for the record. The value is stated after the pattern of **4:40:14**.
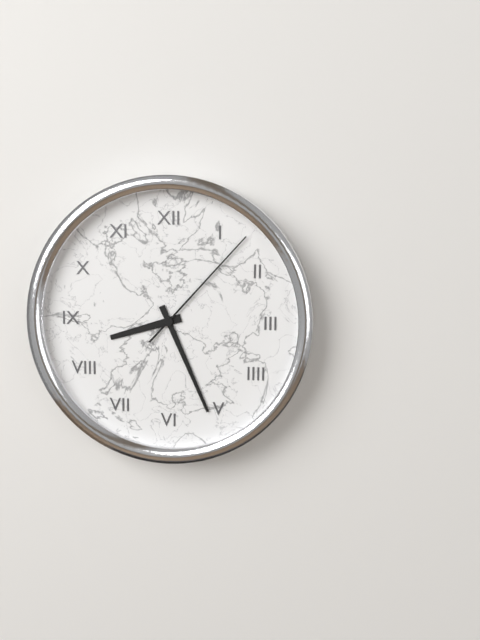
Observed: **8:26:07**
